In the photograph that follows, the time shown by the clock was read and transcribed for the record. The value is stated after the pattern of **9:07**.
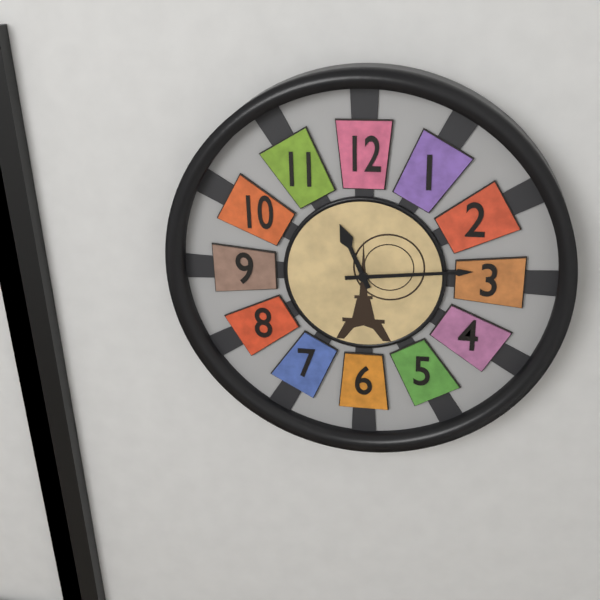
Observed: **11:14**
